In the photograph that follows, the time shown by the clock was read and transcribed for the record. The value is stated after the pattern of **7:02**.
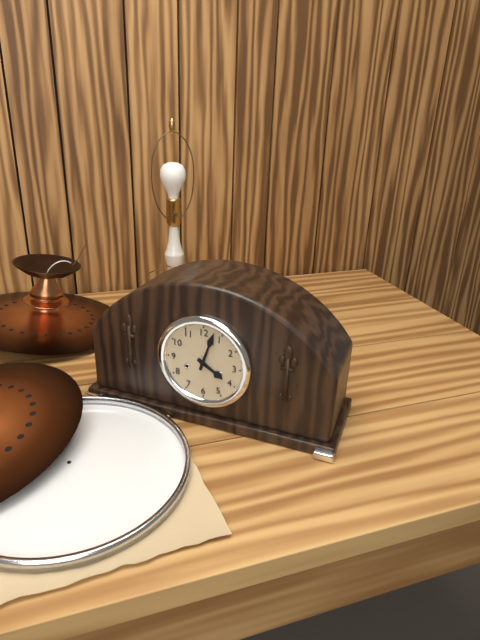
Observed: **4:03**
